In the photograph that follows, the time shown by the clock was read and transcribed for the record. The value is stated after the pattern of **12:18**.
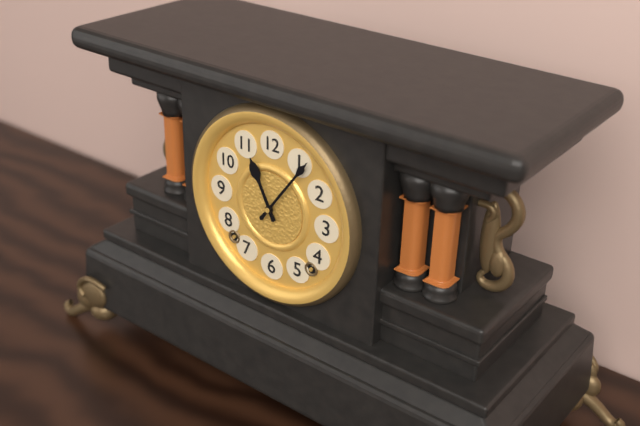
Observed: **11:06**
